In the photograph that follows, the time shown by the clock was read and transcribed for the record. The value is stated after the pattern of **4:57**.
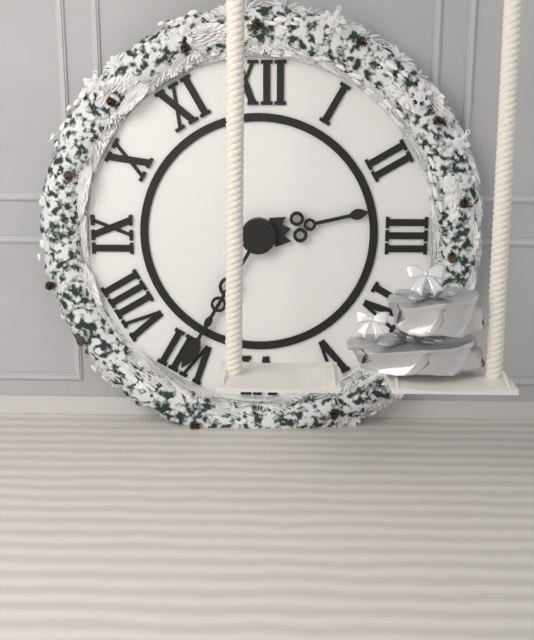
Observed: **2:35**
